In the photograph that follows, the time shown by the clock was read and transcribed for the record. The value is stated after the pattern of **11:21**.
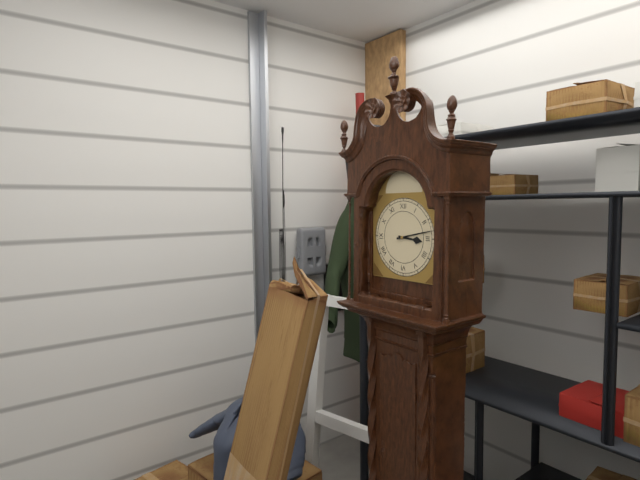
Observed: **3:13**
